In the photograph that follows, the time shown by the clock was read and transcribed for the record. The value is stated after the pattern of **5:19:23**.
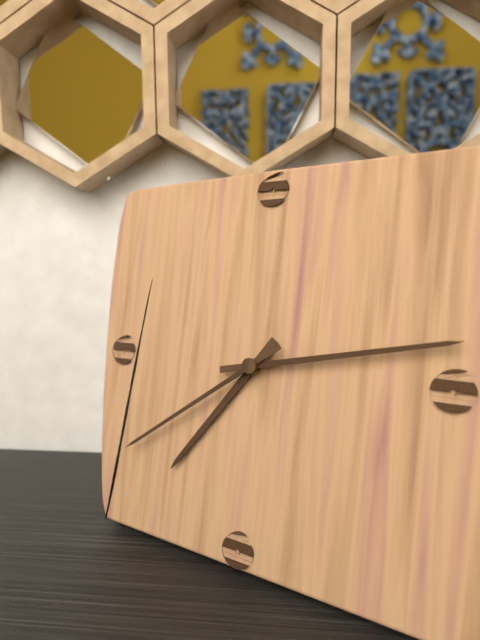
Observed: **7:13:39**
